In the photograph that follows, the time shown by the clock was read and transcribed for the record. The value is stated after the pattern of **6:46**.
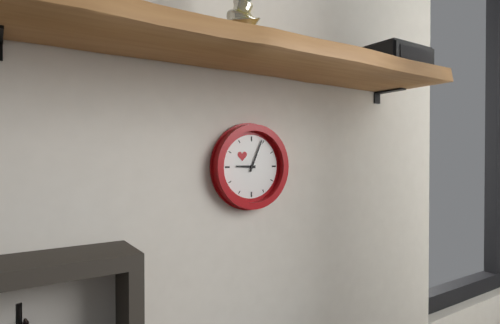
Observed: **9:04**
